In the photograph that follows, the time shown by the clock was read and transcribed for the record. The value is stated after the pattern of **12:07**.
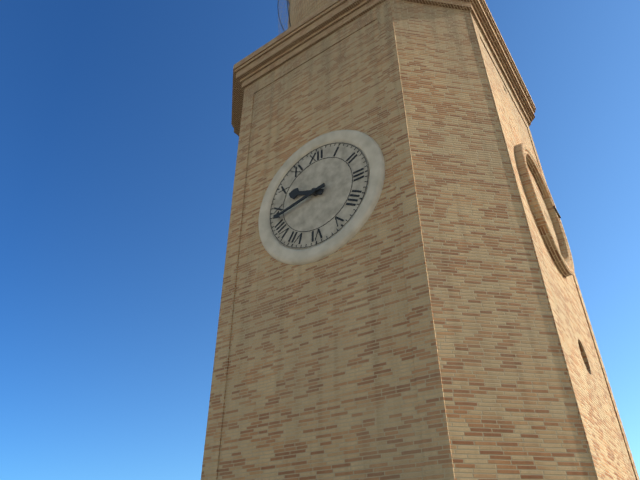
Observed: **9:43**
